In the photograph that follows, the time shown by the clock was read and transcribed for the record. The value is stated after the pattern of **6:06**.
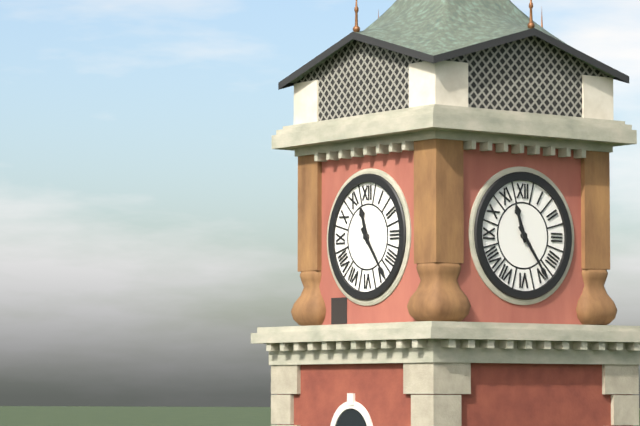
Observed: **11:24**
